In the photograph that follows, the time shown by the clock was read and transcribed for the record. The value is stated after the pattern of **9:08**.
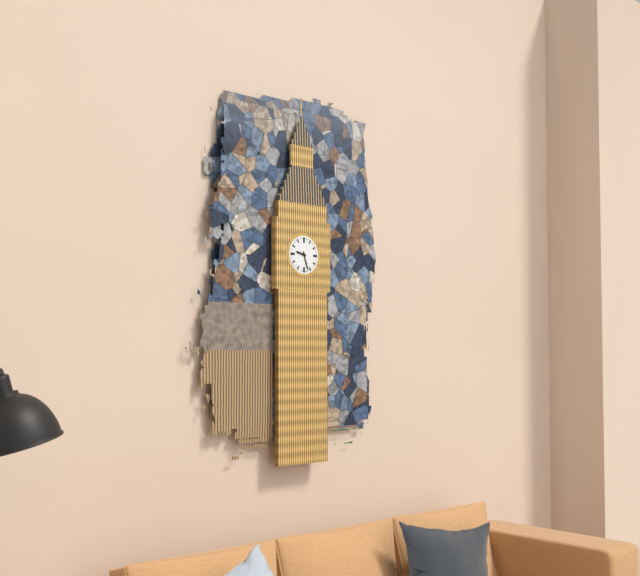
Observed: **9:27**
